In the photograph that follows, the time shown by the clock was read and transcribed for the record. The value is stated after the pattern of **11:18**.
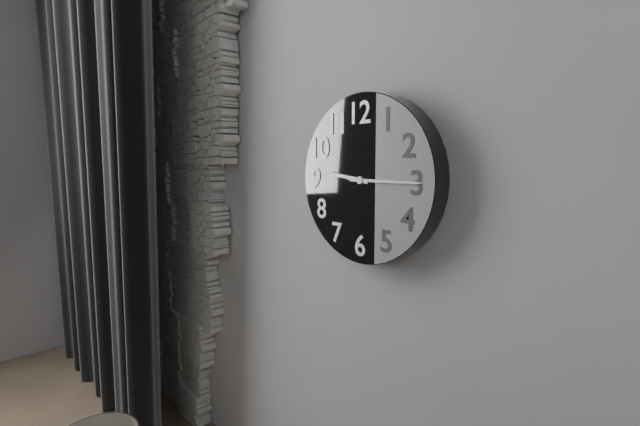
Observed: **9:15**
